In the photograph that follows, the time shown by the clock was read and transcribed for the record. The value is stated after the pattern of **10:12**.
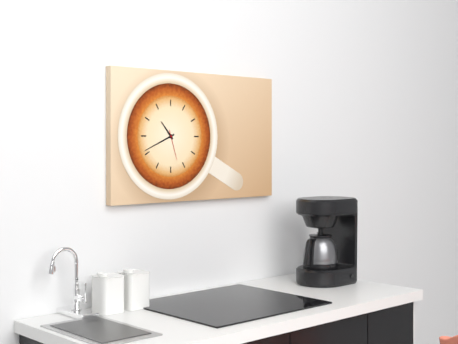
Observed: **10:41**
